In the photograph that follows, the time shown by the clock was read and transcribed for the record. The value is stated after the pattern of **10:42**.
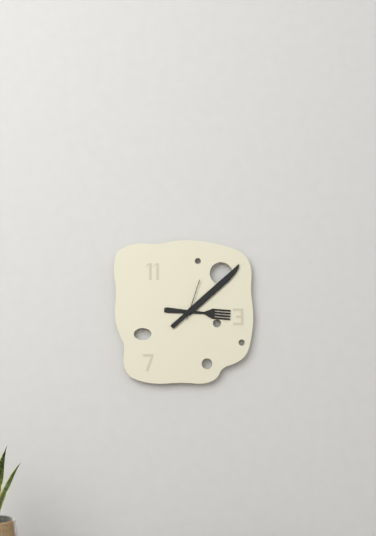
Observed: **3:08**
